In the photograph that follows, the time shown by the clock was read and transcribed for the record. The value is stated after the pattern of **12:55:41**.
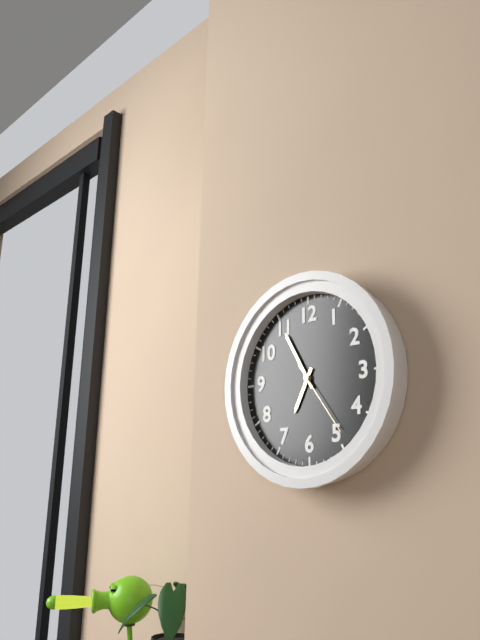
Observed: **6:55:24**
